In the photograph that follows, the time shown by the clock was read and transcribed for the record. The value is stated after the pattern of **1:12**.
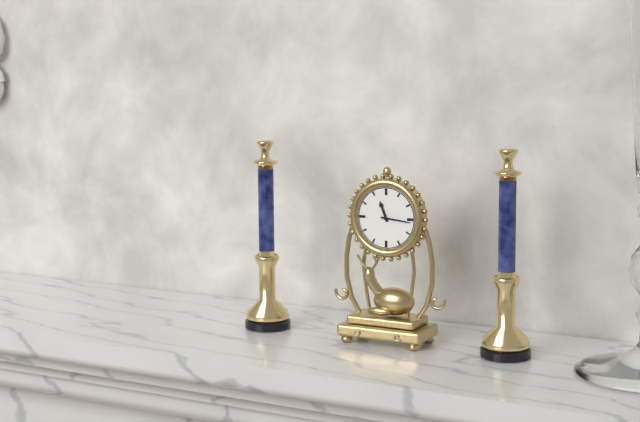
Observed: **11:16**
